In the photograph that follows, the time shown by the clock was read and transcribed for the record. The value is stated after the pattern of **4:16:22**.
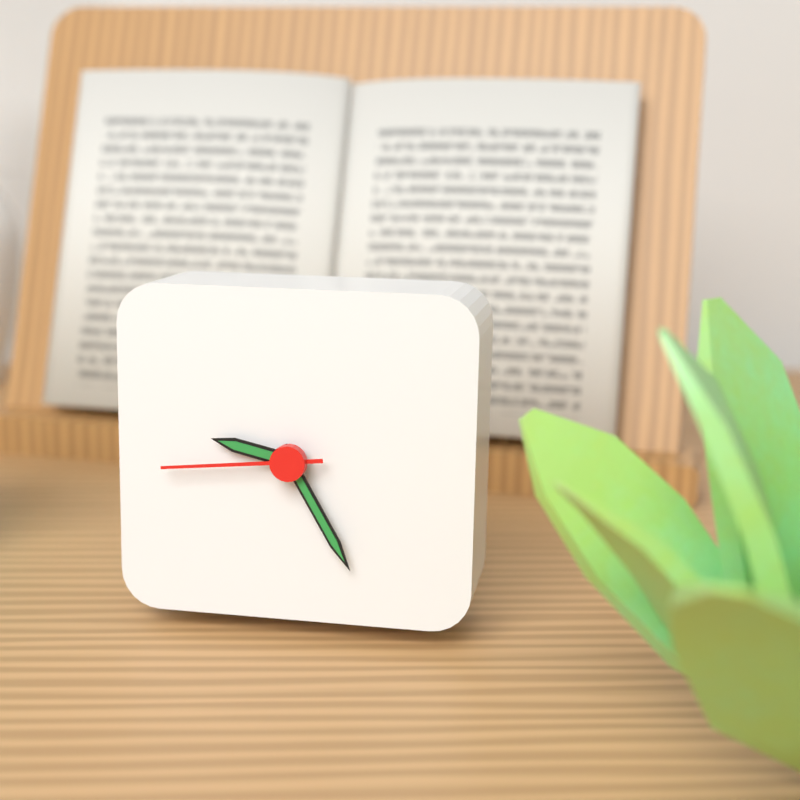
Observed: **9:25:44**
